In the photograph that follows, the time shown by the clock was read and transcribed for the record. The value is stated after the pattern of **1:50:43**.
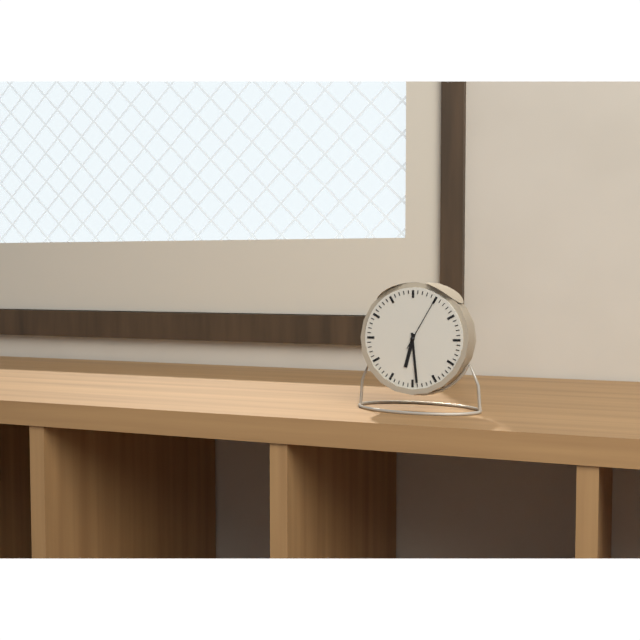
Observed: **6:29:05**
